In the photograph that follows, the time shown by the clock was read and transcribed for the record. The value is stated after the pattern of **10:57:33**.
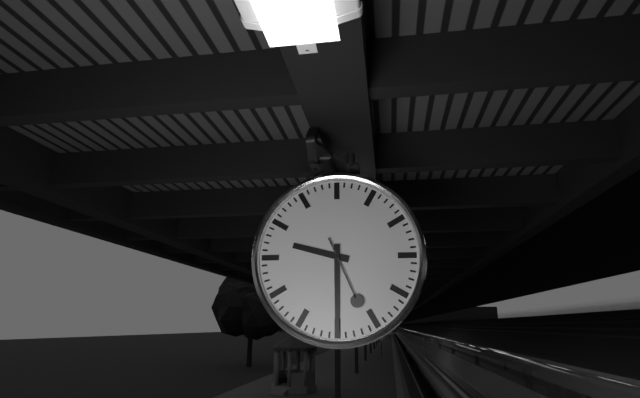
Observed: **9:30:26**
